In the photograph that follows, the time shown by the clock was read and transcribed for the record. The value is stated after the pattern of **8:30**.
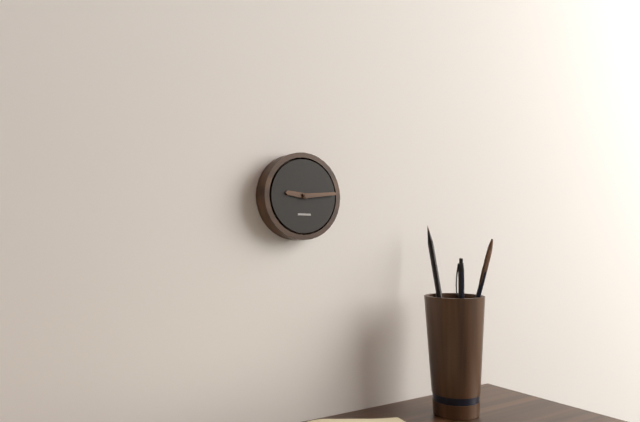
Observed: **9:14**
